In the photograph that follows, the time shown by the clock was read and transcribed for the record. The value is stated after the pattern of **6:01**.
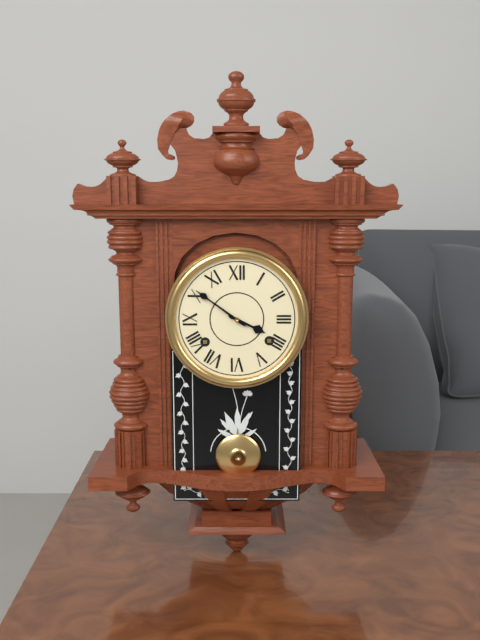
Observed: **3:51**
